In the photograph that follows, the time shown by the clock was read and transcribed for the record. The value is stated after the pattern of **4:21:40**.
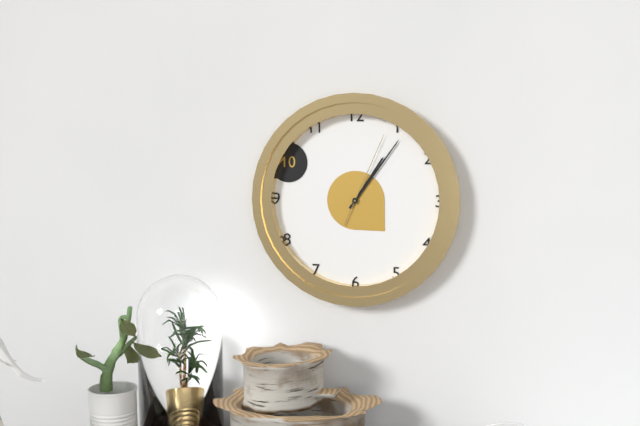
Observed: **1:06:04**
